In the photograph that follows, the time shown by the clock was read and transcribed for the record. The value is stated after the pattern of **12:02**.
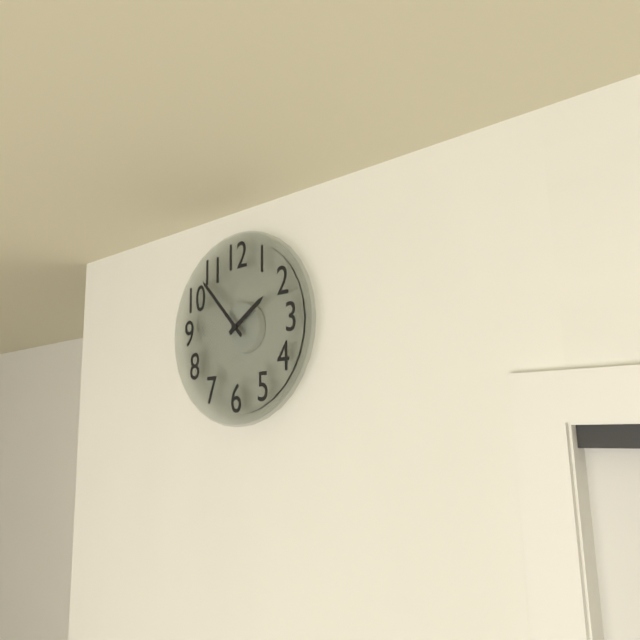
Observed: **1:53**
